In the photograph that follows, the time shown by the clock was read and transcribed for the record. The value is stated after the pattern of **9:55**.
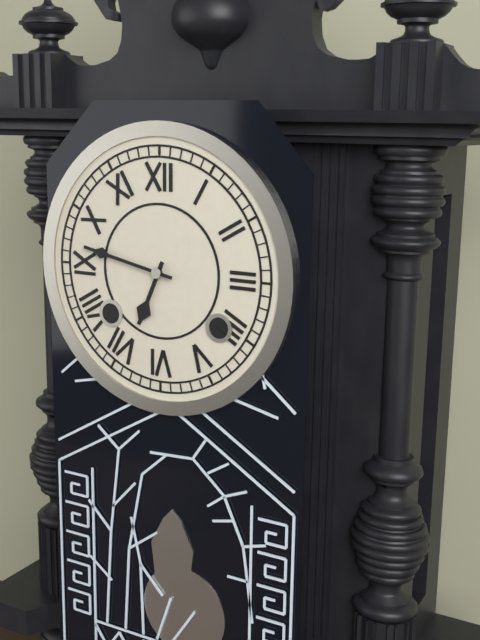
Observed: **6:47**
